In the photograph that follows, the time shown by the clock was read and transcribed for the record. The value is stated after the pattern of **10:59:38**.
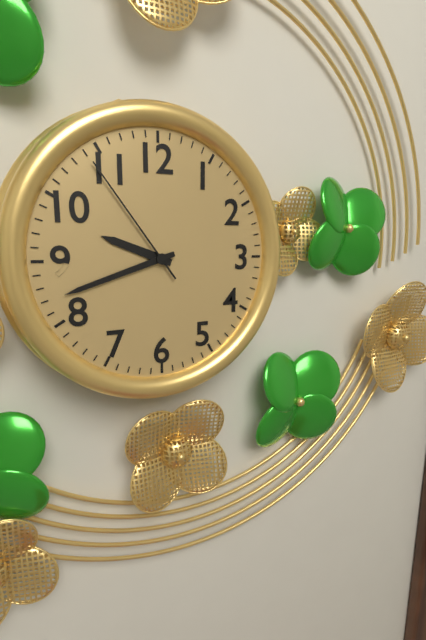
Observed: **9:42:54**
